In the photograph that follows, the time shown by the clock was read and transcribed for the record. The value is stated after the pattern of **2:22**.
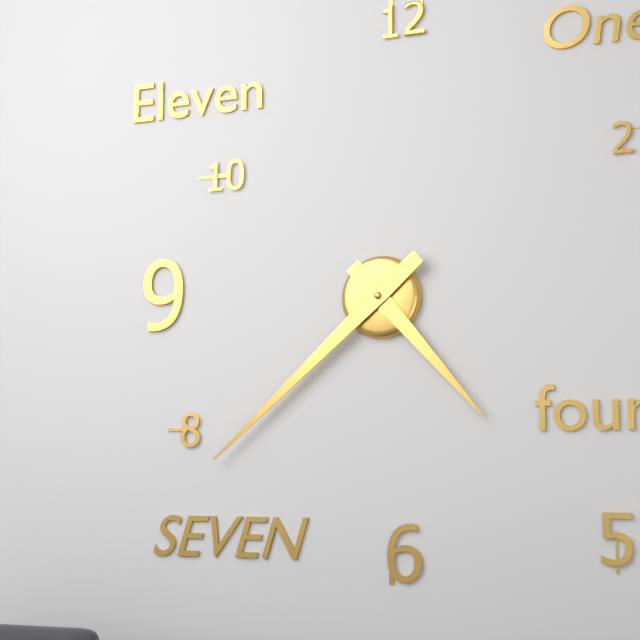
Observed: **4:38**
